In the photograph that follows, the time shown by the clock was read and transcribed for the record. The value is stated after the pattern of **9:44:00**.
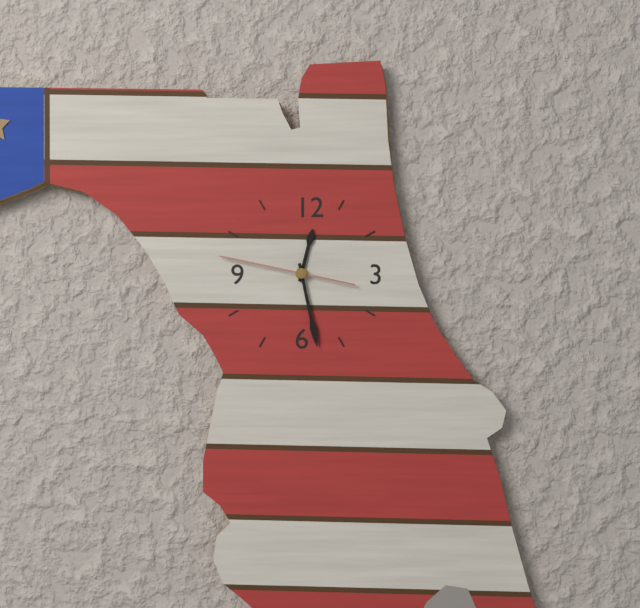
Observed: **12:28:47**
